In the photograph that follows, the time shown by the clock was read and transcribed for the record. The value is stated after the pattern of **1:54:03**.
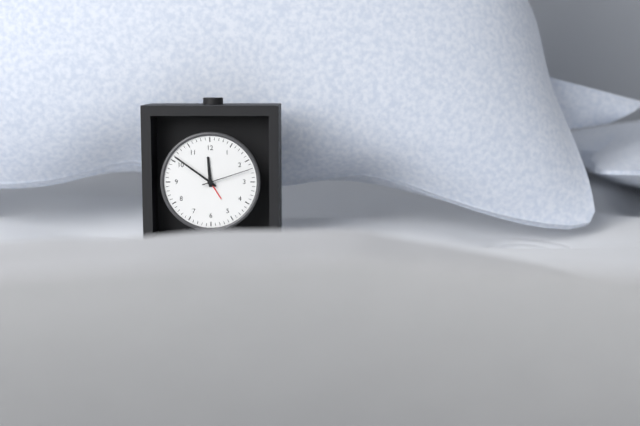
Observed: **11:51:12**
